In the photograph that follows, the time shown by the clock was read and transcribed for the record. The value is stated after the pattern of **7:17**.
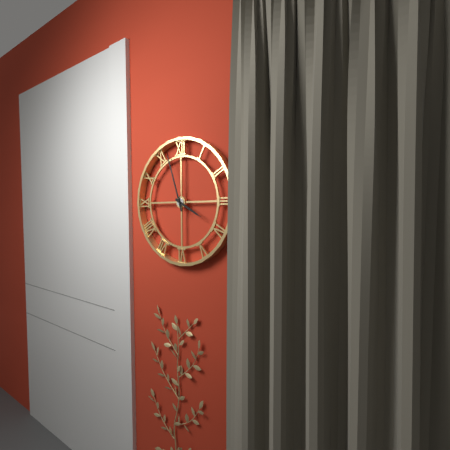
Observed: **3:57**
